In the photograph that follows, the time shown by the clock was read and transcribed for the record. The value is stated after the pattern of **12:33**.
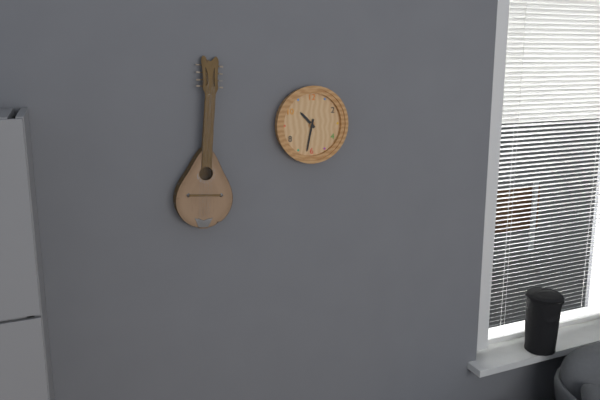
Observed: **10:32**
